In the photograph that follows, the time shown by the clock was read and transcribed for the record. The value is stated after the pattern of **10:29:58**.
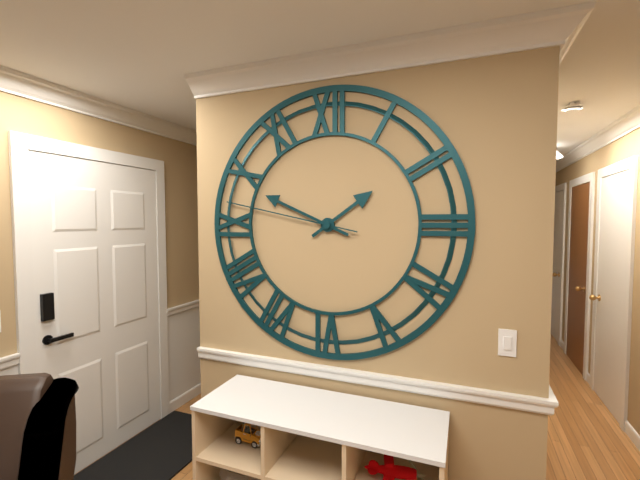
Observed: **1:49:47**
